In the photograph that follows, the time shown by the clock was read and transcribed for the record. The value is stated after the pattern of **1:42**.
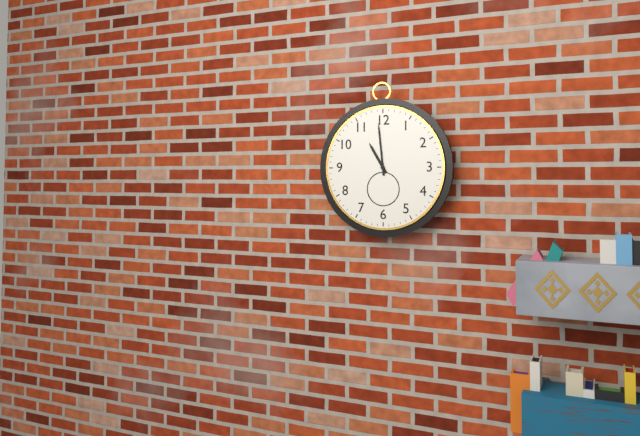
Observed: **10:59**
